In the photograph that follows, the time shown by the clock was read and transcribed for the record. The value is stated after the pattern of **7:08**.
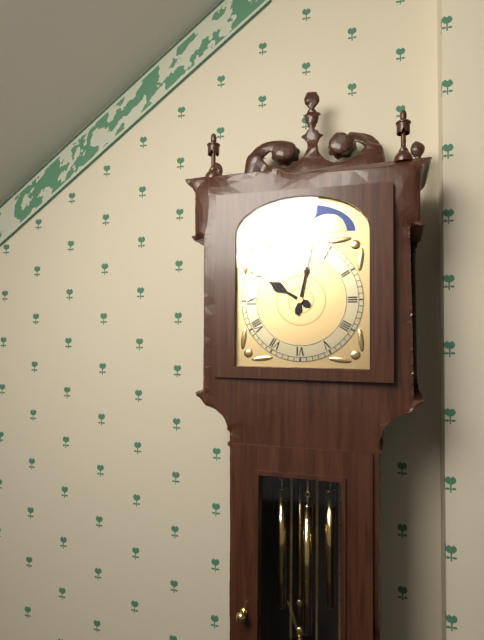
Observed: **10:02**
